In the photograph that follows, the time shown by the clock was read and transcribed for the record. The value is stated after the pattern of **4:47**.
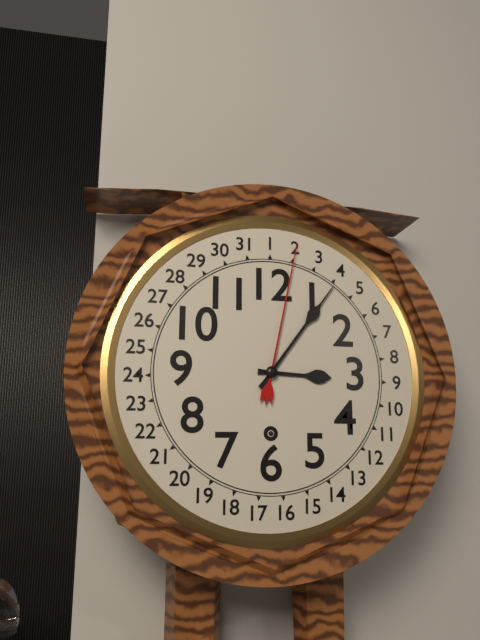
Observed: **3:06**
